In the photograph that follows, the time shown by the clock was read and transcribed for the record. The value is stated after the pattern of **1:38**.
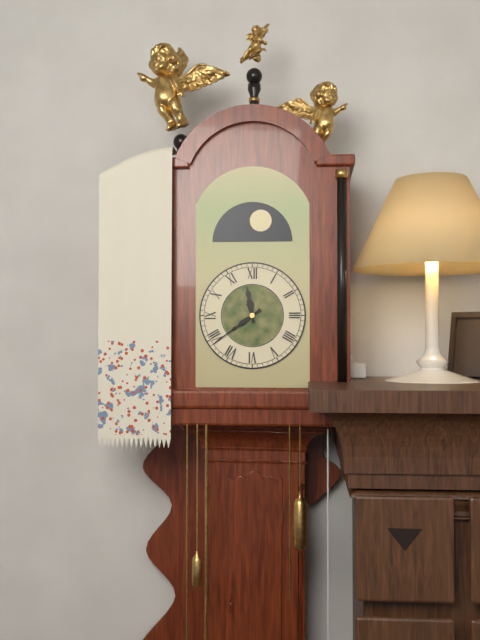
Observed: **11:39**
